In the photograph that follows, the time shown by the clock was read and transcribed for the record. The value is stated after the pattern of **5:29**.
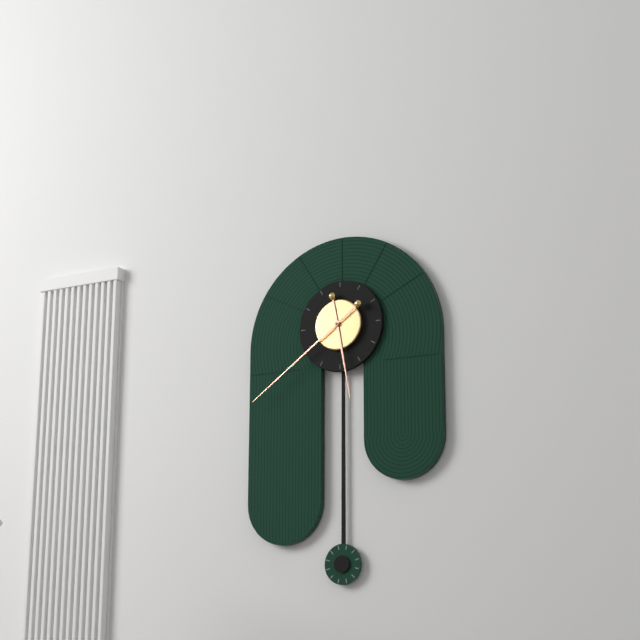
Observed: **5:39**
